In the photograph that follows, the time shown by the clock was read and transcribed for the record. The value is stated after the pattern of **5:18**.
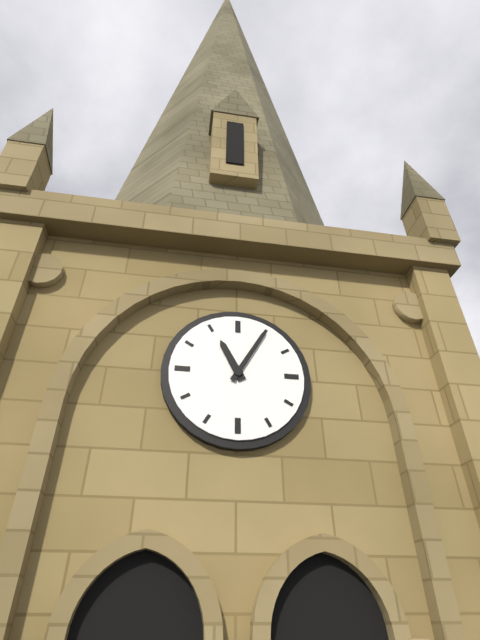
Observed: **11:05**
